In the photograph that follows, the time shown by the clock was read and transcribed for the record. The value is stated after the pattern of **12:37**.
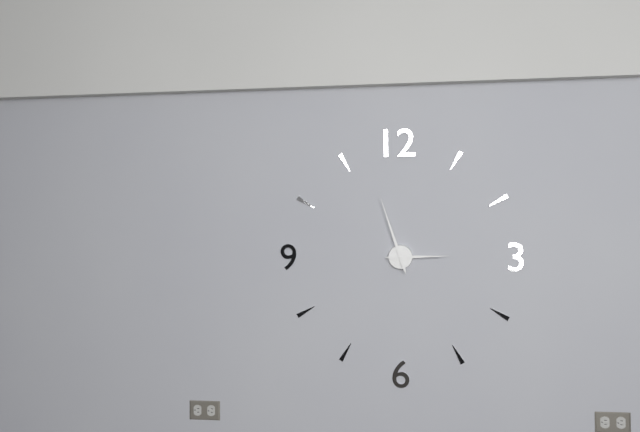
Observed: **2:57**
